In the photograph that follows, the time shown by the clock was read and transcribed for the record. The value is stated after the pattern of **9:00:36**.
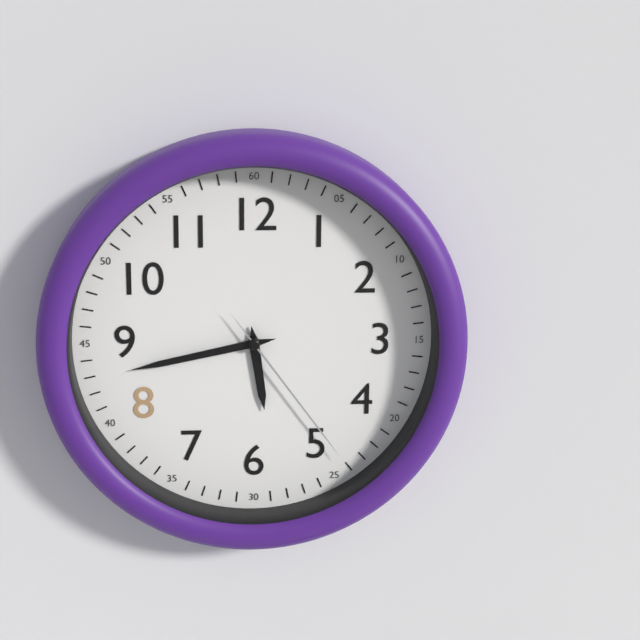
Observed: **5:43:24**
